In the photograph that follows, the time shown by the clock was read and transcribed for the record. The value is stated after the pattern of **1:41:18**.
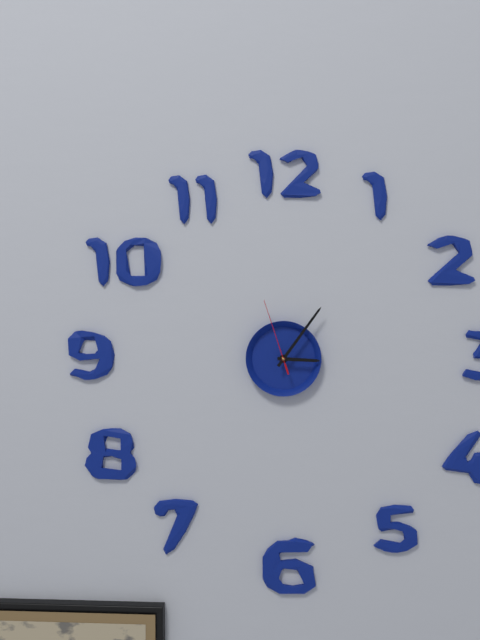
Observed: **3:06:57**
